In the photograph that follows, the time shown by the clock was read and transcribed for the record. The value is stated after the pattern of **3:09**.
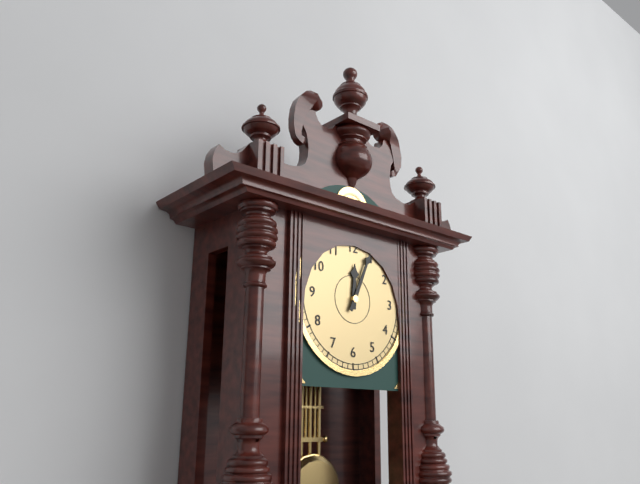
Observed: **12:04**
